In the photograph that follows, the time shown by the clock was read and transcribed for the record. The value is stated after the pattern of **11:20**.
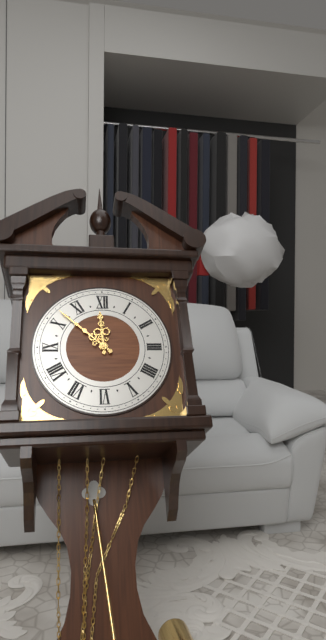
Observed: **11:52**
